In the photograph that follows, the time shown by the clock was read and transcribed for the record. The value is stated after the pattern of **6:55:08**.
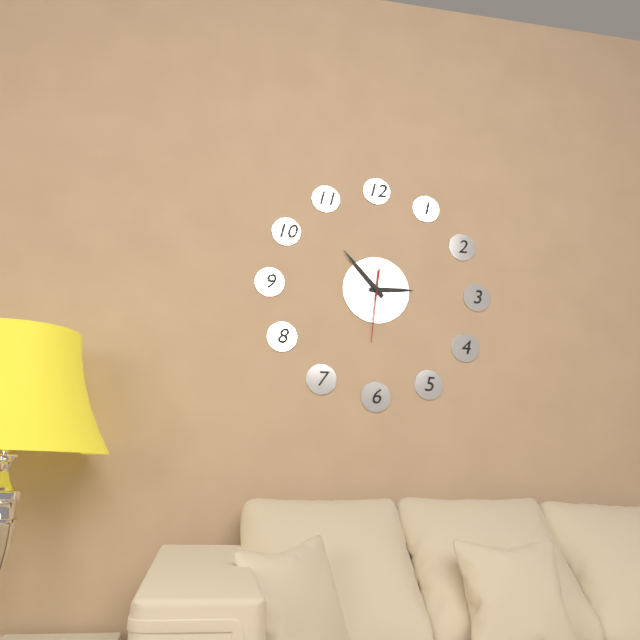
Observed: **2:53:31**
